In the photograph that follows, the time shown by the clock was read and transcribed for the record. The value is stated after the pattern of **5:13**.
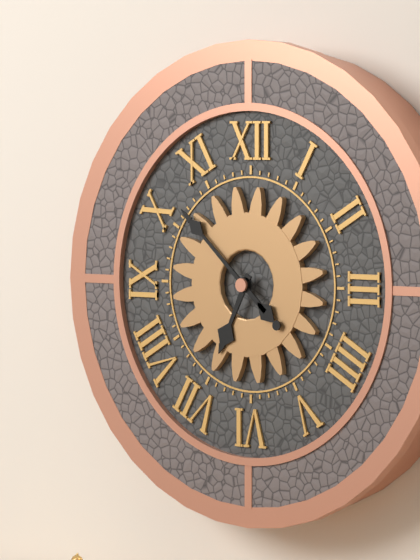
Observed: **6:52**
